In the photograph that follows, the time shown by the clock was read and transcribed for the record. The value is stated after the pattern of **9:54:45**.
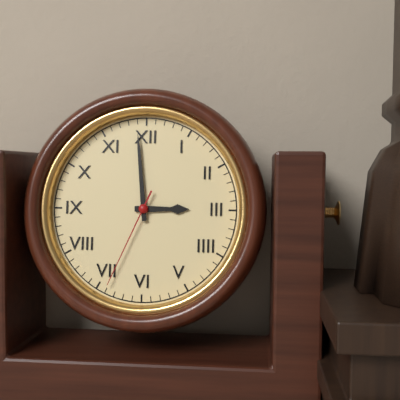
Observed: **2:59:34**
